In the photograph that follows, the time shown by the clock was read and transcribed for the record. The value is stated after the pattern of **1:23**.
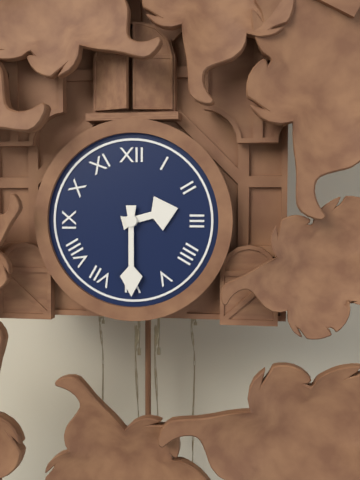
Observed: **2:30**
